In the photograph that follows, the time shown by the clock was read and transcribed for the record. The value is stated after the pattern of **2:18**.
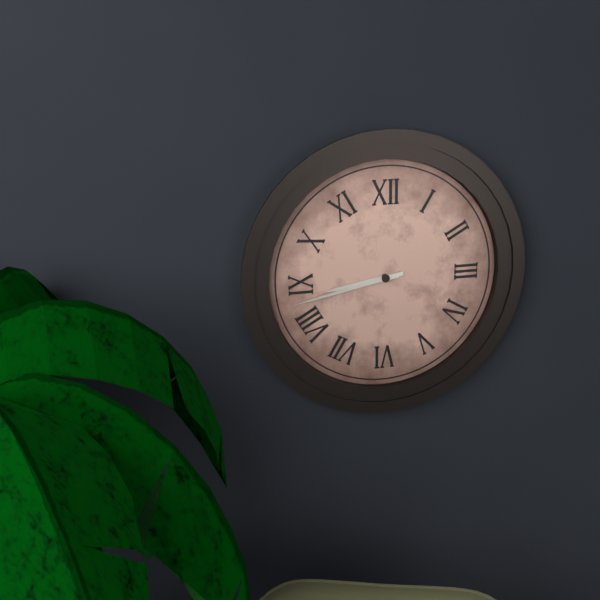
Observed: **8:43**
